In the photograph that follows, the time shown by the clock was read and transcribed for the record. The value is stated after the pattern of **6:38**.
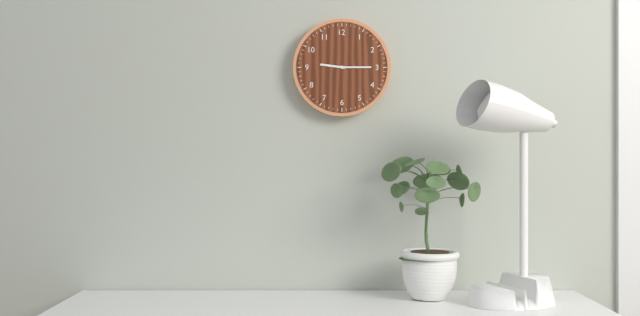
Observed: **9:15**
